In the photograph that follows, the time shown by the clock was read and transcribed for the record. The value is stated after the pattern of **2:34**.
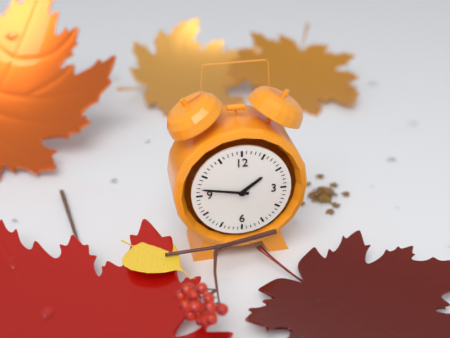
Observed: **1:47**
